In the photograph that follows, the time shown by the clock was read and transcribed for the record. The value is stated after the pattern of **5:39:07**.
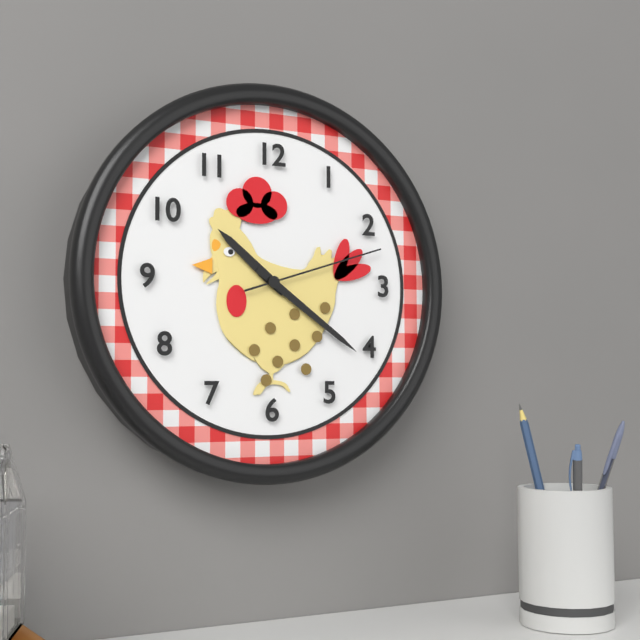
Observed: **10:21:12**
